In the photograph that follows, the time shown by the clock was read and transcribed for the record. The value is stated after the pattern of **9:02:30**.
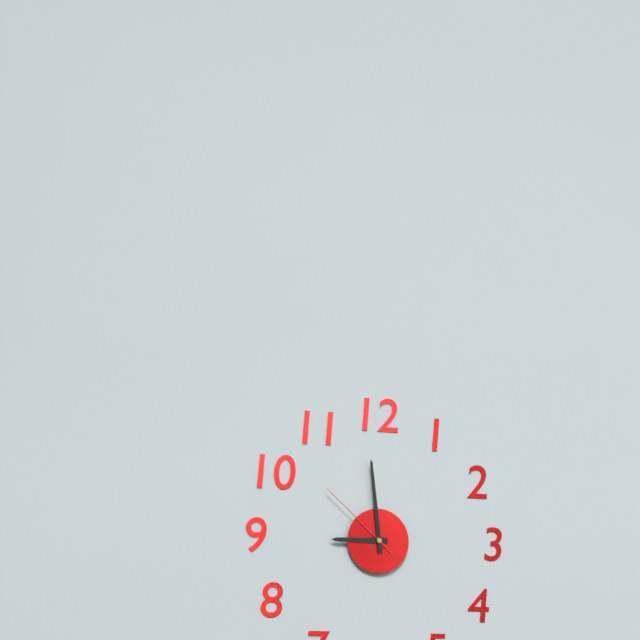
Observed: **8:59:52**
